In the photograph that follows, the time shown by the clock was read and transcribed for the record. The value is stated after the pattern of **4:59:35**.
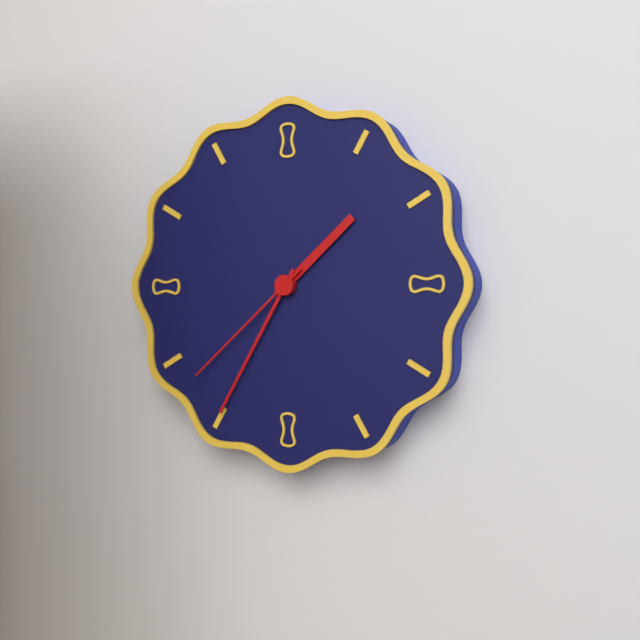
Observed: **1:35:38**
